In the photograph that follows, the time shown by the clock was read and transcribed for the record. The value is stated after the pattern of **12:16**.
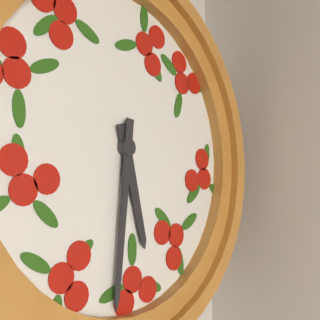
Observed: **5:31**
